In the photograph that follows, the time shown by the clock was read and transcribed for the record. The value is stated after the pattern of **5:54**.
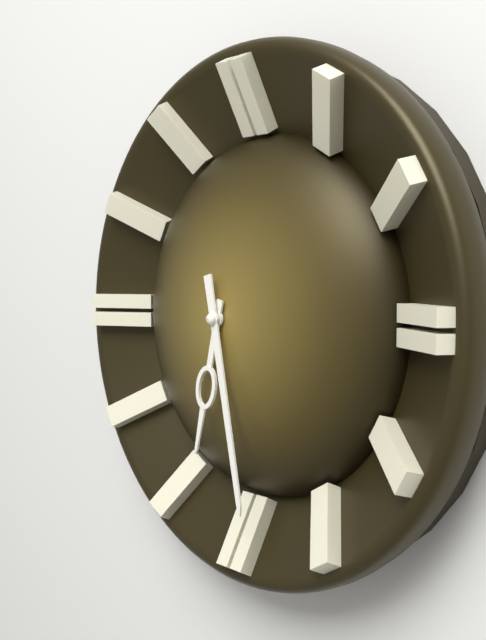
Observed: **6:28**
